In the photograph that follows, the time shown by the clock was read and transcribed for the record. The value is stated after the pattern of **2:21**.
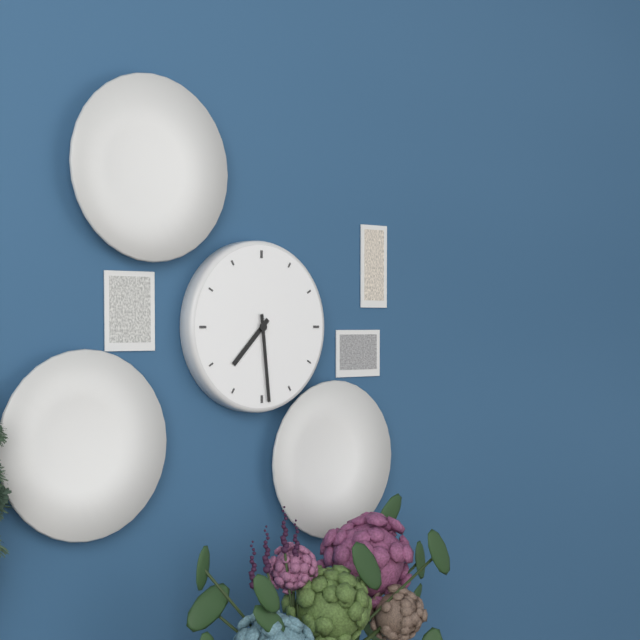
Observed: **7:29**
